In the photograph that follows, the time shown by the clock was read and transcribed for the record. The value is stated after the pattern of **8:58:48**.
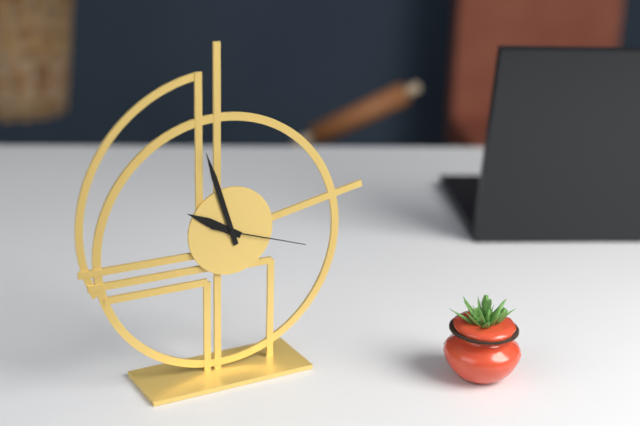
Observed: **9:57:18**
